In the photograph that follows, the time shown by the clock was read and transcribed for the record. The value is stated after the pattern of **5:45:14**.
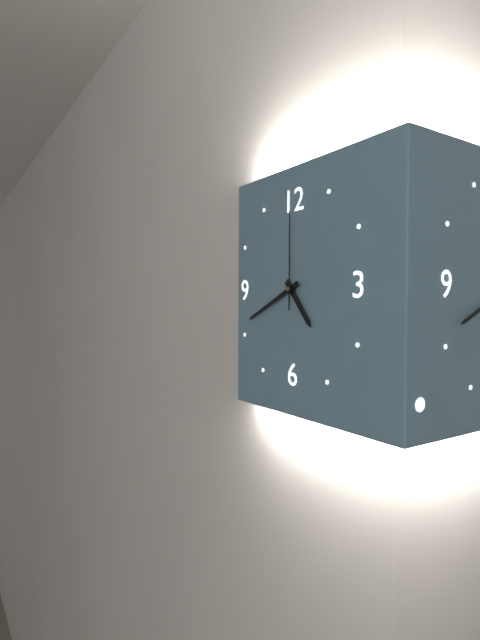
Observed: **4:41:00**
